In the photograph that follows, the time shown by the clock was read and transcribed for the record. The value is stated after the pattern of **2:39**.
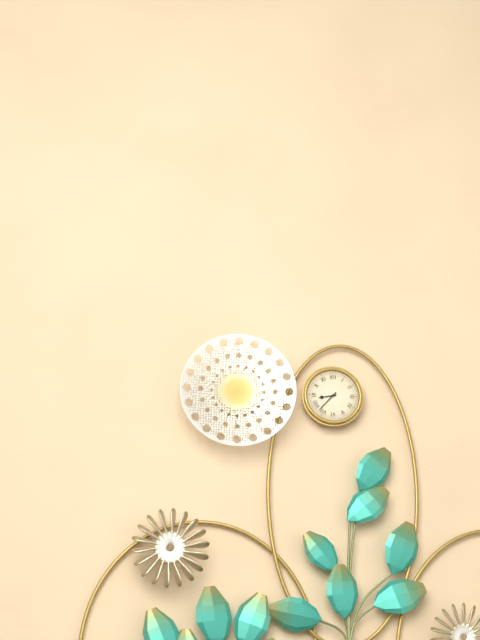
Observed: **8:37**
